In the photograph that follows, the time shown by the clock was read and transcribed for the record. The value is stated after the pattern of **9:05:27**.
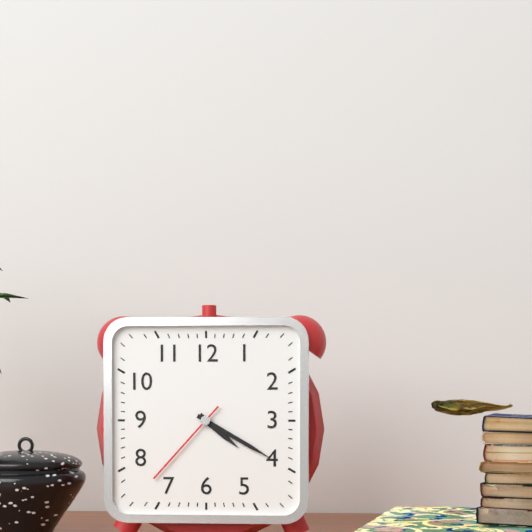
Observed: **4:20:37**
